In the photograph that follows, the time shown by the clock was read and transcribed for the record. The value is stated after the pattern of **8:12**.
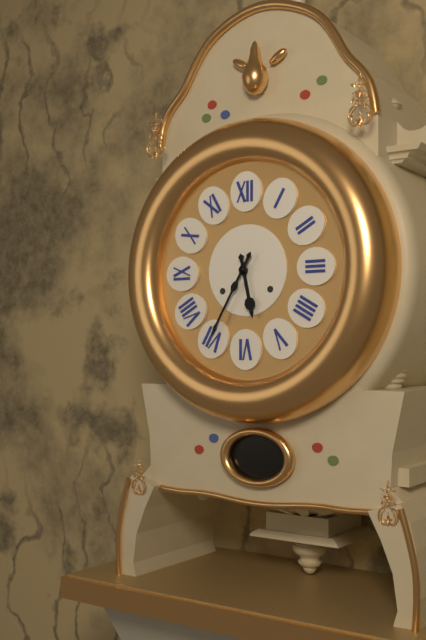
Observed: **5:35**
